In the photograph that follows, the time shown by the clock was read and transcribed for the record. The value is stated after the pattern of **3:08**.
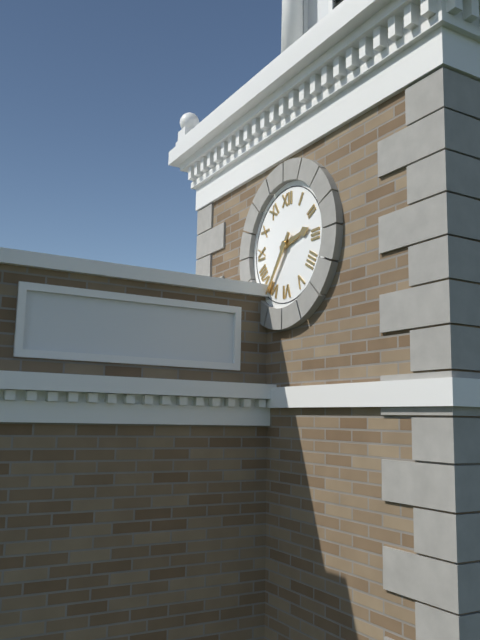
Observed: **2:36**
